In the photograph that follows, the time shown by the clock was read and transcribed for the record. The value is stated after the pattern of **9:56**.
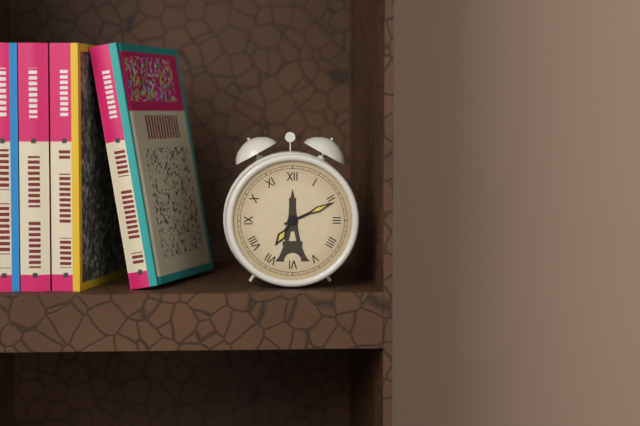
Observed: **7:11**
